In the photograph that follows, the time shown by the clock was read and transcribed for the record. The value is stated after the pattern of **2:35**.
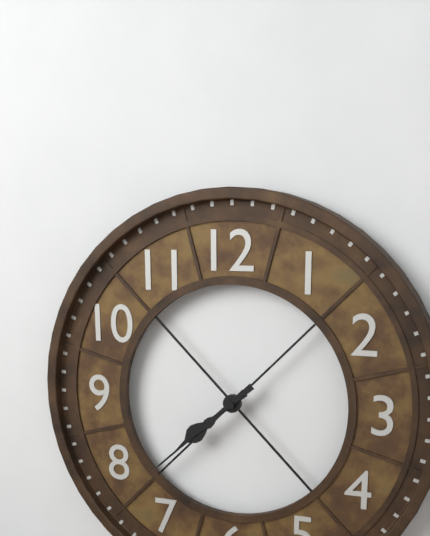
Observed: **7:38**
